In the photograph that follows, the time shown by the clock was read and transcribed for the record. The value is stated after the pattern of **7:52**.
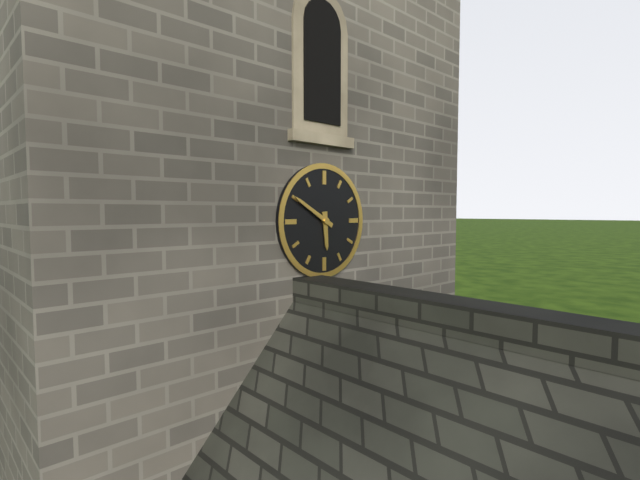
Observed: **5:50**
